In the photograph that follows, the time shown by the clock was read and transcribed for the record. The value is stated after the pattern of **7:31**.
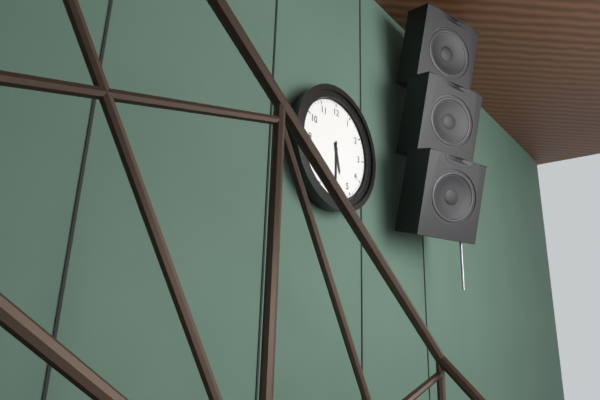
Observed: **5:30**
